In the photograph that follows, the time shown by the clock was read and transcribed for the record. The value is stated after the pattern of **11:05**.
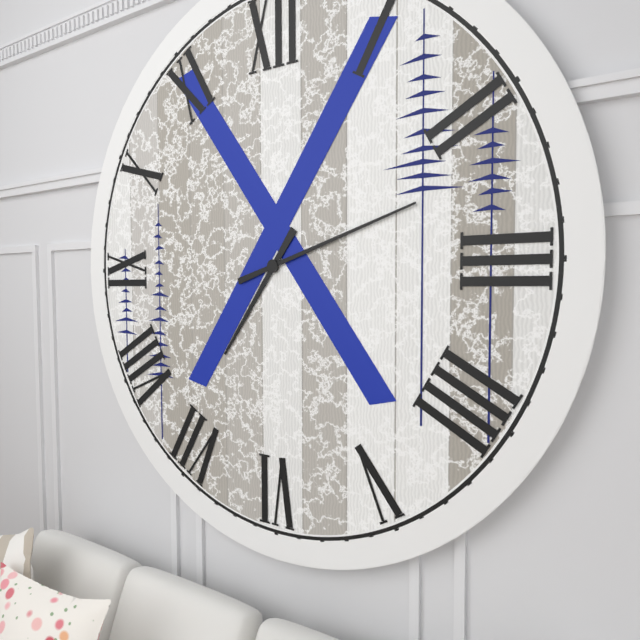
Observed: **7:12**
